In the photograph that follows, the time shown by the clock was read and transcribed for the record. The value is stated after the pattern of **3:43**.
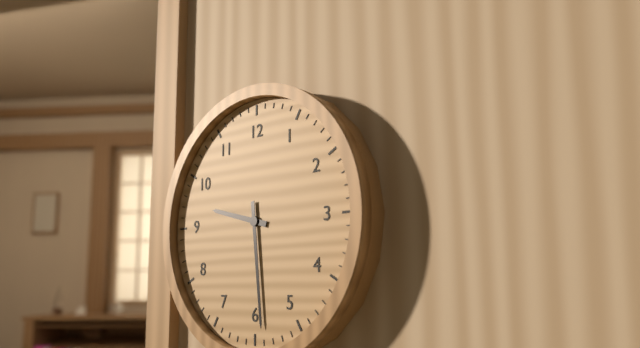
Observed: **9:29**
